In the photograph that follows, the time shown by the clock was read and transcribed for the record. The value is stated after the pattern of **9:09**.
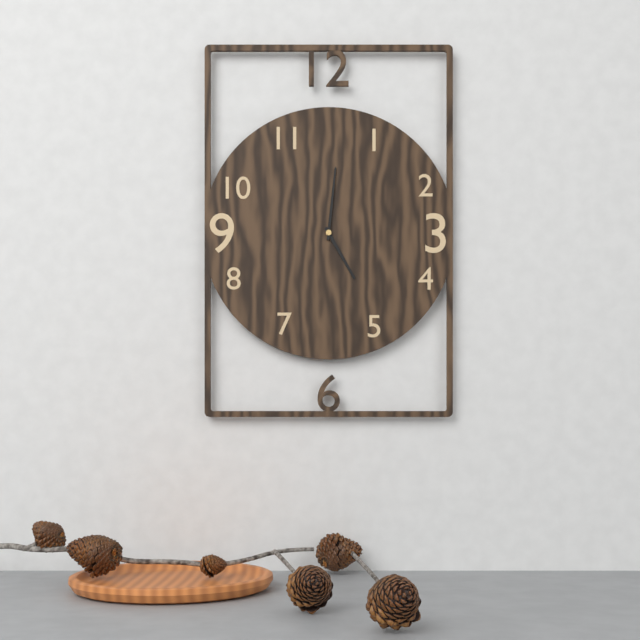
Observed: **5:01**
